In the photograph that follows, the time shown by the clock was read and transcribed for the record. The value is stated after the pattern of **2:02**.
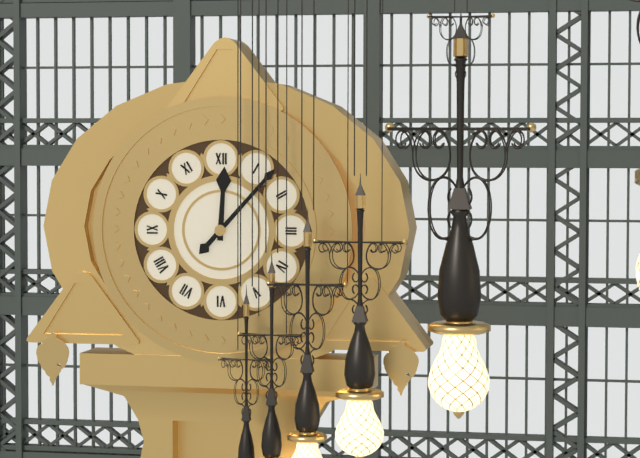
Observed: **12:07**
